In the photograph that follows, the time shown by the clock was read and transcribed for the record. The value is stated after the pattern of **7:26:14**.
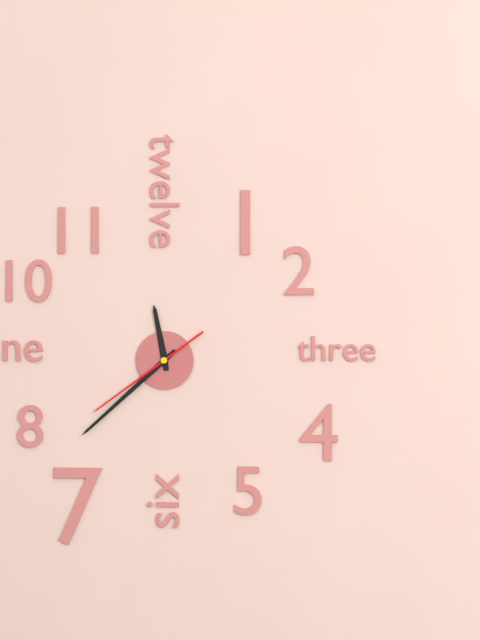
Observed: **11:38:39**
